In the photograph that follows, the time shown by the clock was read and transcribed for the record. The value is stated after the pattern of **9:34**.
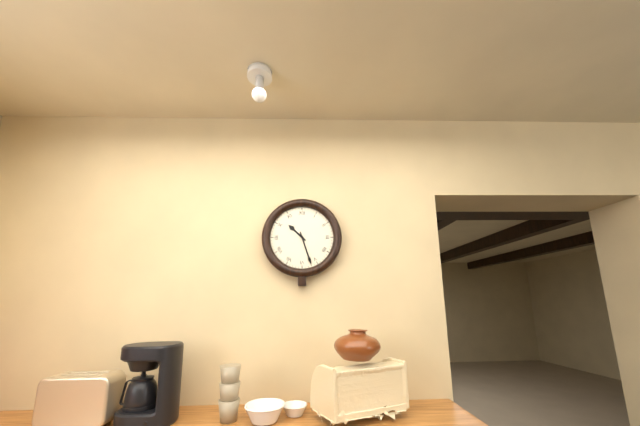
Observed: **10:27**
